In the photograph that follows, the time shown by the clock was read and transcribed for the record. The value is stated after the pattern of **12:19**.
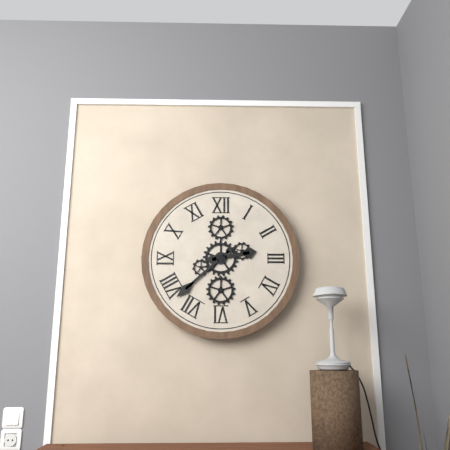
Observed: **2:38**
